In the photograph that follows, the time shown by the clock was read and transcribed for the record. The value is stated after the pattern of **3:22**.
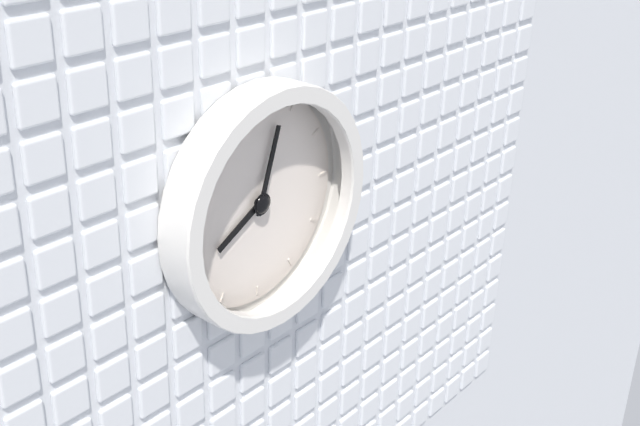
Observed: **8:03**
